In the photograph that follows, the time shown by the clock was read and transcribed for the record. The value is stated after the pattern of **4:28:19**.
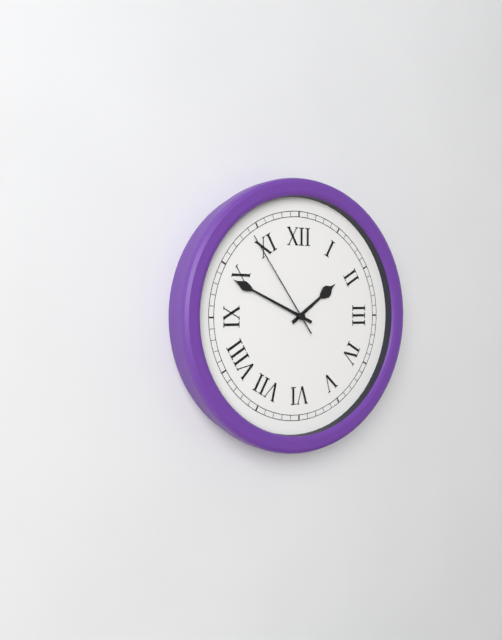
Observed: **1:49:54**
